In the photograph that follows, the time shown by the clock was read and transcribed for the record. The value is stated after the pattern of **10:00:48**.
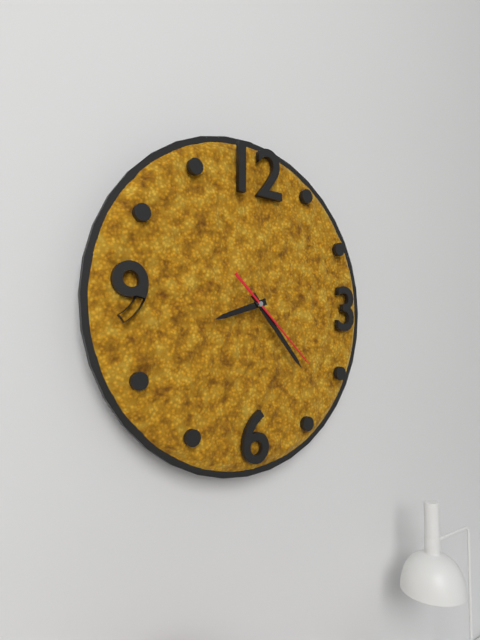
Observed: **8:23:22**
